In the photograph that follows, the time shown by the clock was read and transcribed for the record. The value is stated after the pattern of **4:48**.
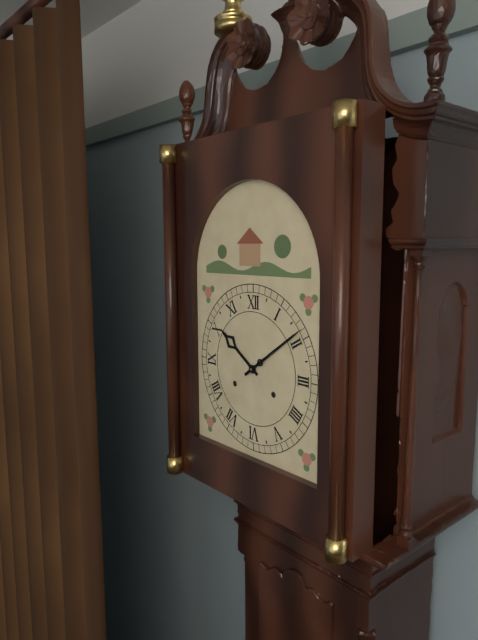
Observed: **10:09**
